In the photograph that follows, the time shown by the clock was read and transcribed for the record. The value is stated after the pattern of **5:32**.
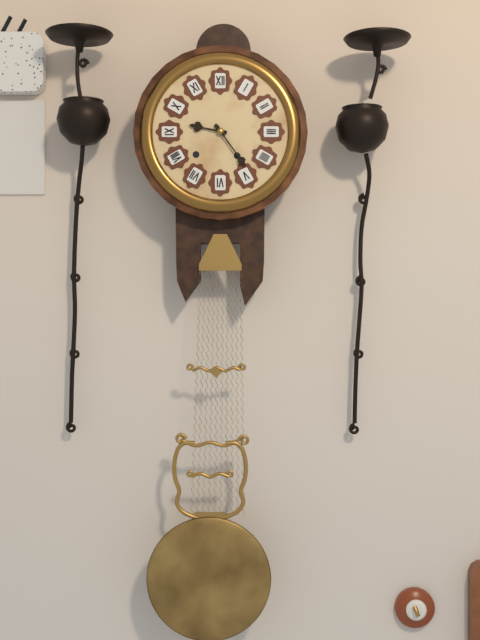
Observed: **9:24**
